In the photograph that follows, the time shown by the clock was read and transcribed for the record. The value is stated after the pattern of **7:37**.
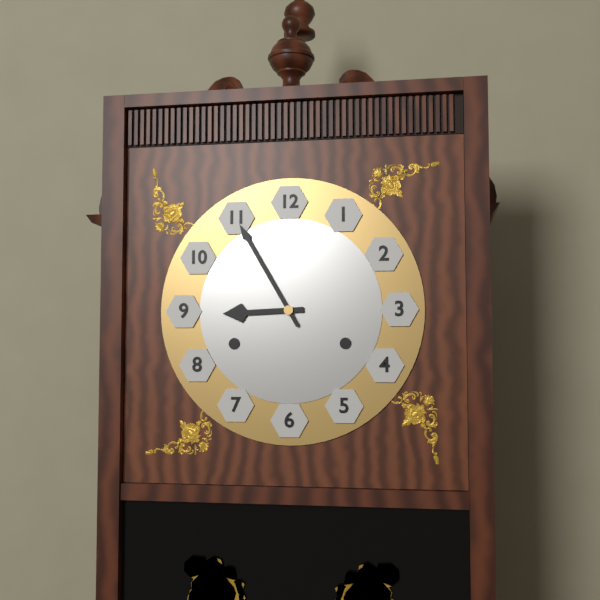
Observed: **8:55**
